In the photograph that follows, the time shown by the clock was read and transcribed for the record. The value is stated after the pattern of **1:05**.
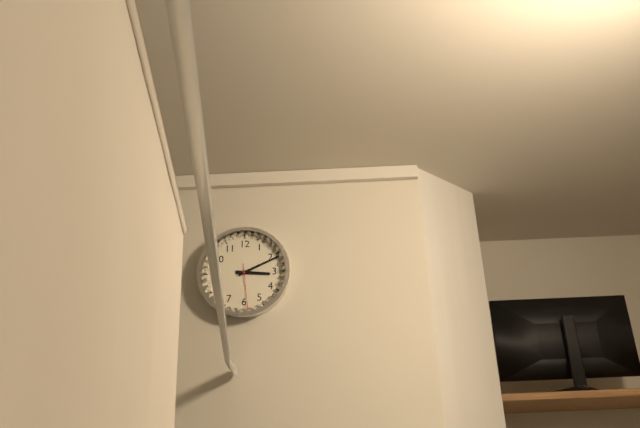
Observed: **3:11**
